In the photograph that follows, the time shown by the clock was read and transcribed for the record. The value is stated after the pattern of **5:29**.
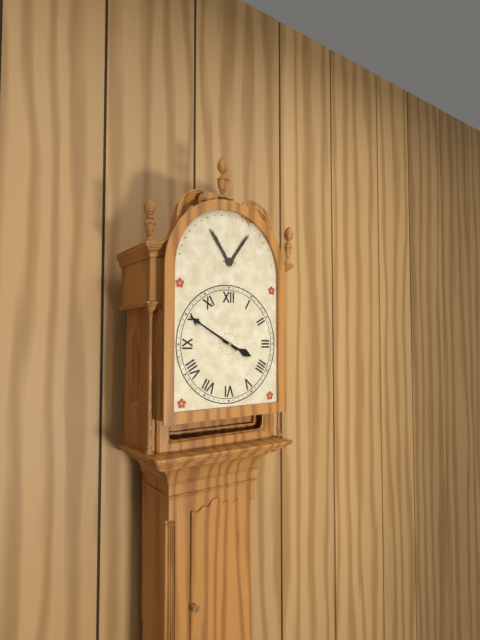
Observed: **3:50**
